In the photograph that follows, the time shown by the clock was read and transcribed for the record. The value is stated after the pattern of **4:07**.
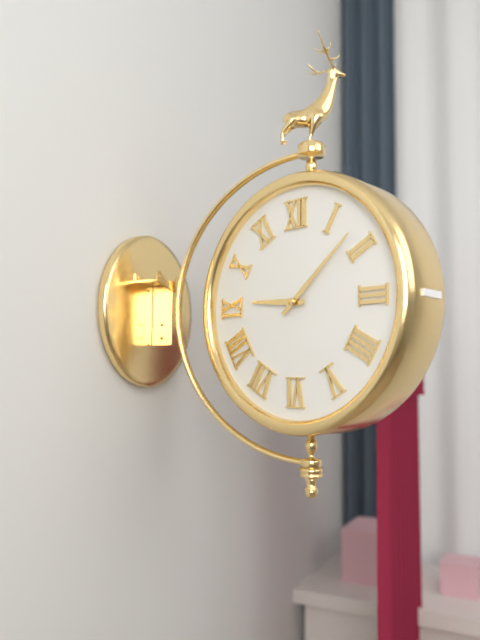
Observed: **9:08**
